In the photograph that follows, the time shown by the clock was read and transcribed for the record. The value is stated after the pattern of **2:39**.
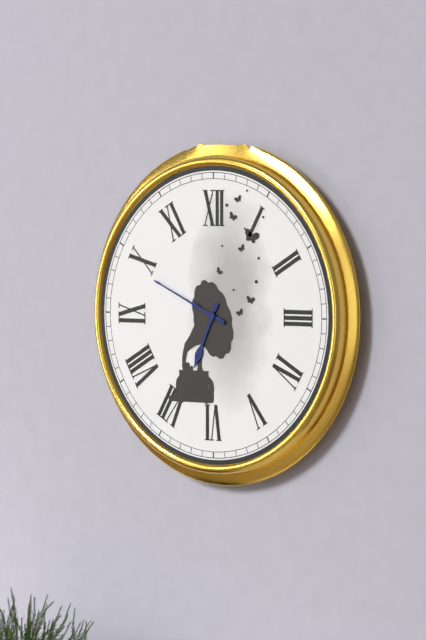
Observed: **6:49**
